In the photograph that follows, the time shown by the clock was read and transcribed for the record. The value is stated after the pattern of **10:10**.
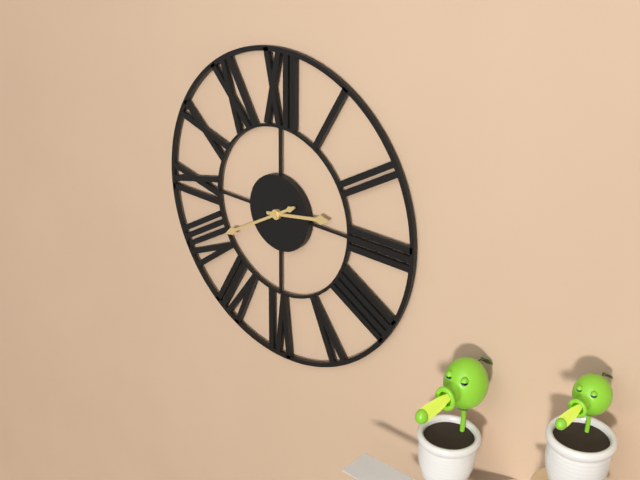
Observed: **2:40**
